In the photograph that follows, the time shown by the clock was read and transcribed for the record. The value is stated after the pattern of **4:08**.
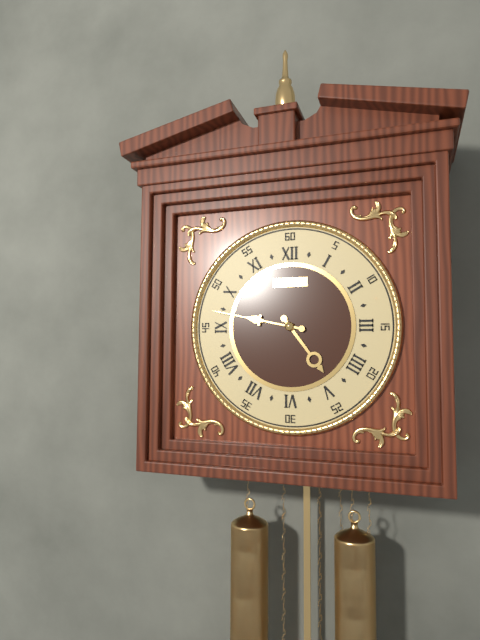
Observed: **4:47**
